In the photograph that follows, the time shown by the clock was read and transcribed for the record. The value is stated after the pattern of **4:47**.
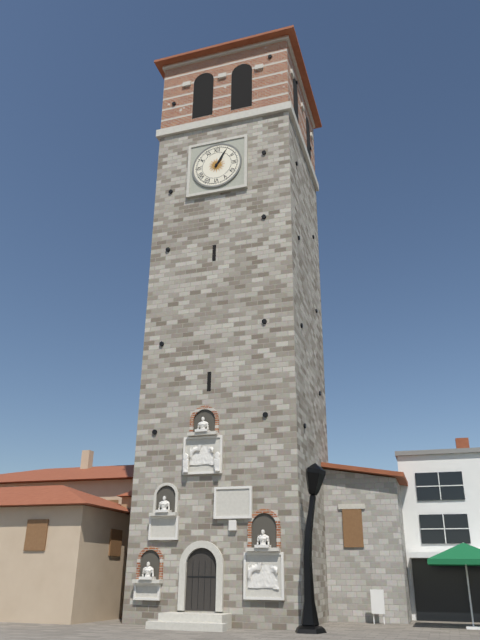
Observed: **1:05**
